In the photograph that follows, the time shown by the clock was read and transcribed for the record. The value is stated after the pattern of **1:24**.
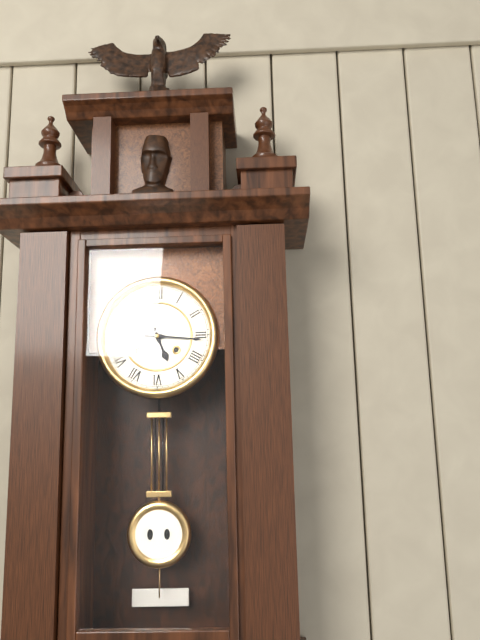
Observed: **5:16**
